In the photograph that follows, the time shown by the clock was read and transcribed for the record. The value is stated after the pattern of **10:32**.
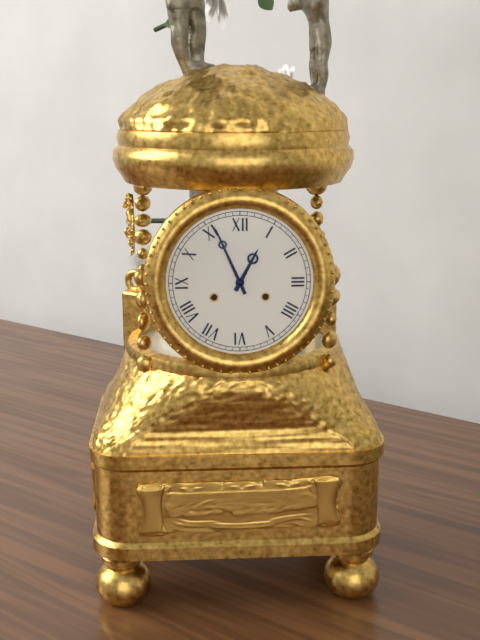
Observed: **12:56**
